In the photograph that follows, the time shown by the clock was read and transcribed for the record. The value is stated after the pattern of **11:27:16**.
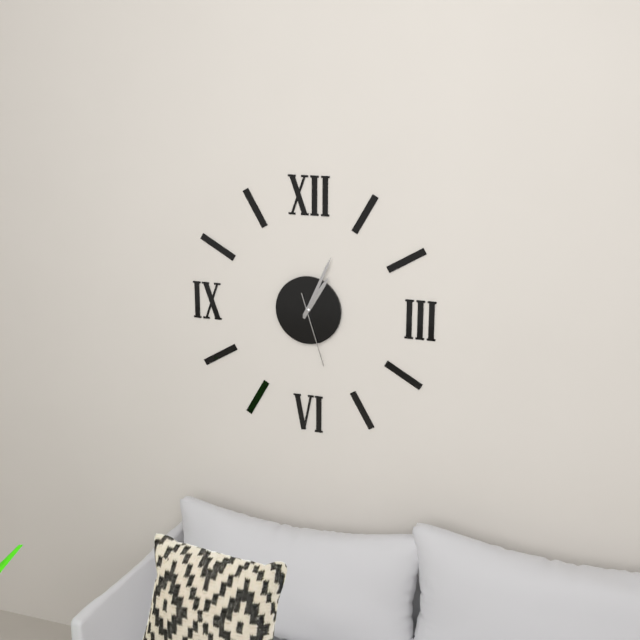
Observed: **1:04:27**
